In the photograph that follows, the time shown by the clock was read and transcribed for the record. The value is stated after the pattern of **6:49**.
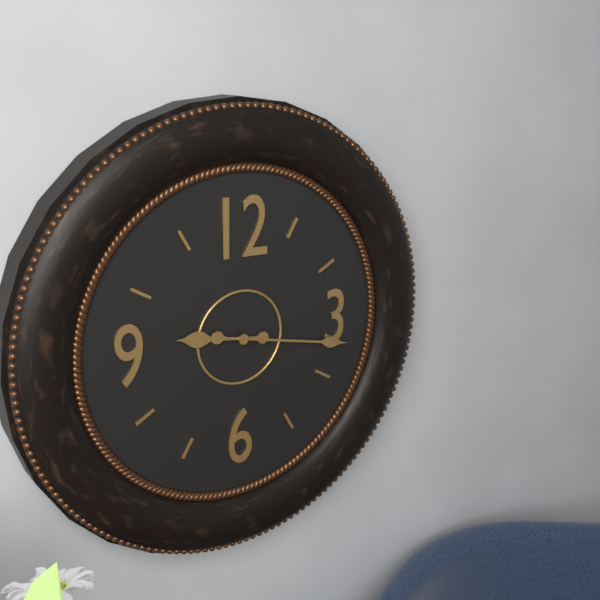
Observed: **9:17**
